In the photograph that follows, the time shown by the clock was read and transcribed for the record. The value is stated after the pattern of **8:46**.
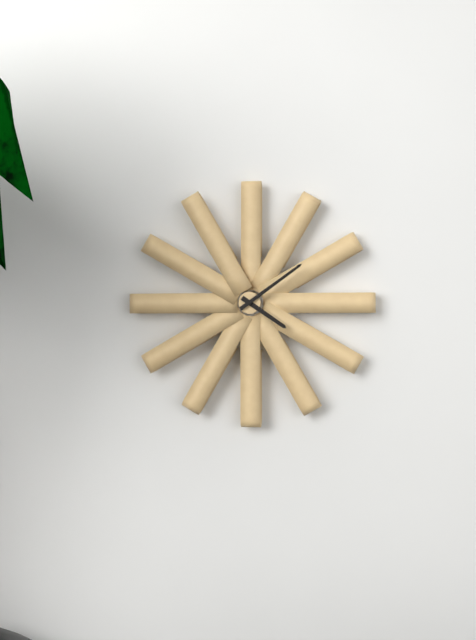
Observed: **4:09**
